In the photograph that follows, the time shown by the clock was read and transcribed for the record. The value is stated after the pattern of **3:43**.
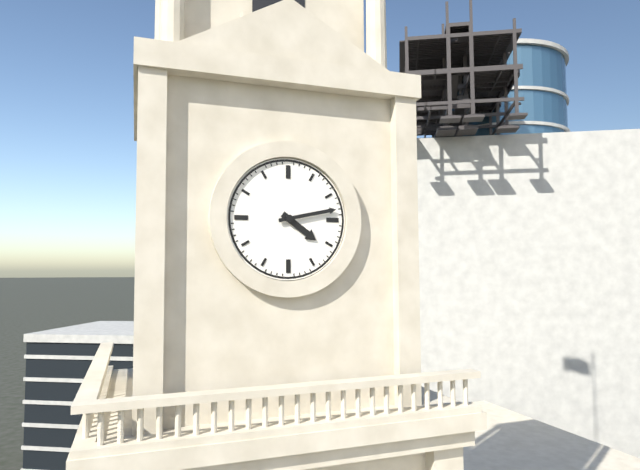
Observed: **4:13**
